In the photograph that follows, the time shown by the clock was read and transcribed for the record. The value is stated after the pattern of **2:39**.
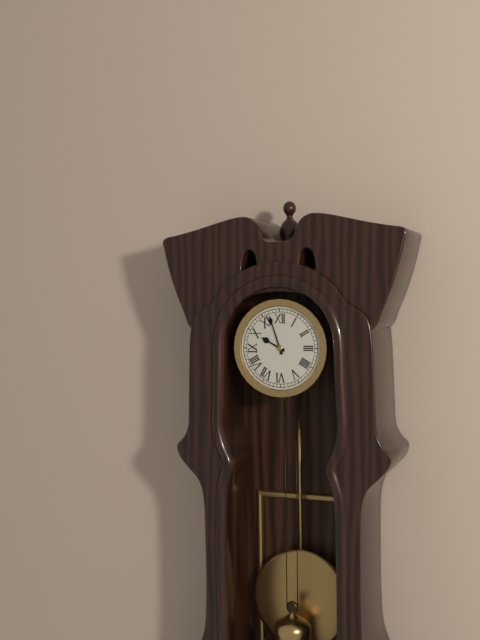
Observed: **9:57**
